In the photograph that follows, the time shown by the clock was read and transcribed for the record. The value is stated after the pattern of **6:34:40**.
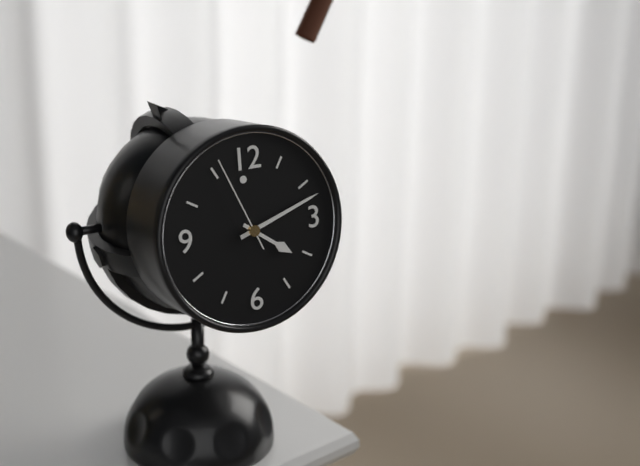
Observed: **4:12:56**
